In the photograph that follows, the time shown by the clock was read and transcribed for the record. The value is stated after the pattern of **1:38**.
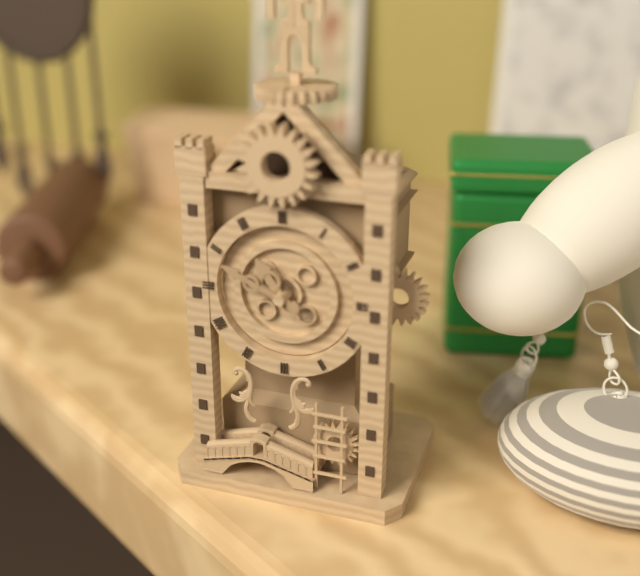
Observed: **10:49**
